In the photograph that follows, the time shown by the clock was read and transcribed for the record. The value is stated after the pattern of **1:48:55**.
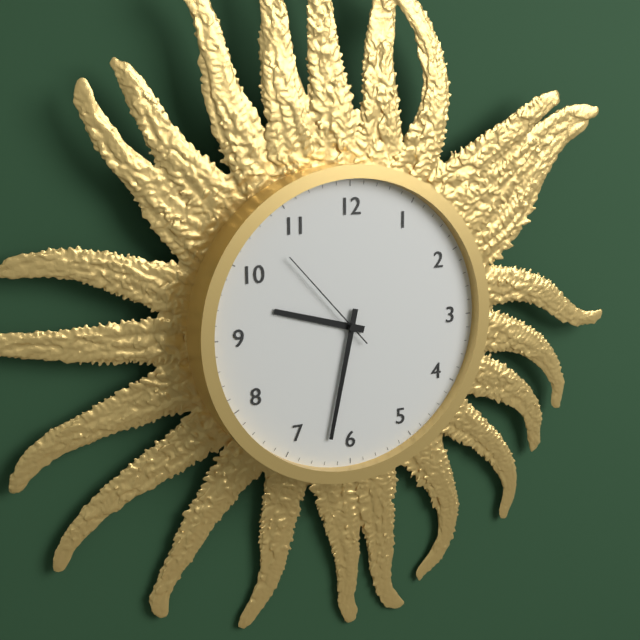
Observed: **9:32:53**
